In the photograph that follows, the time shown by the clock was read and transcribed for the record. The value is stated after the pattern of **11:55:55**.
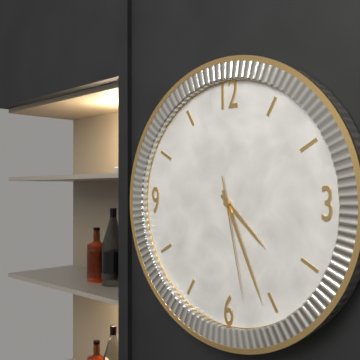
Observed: **4:26:28**
